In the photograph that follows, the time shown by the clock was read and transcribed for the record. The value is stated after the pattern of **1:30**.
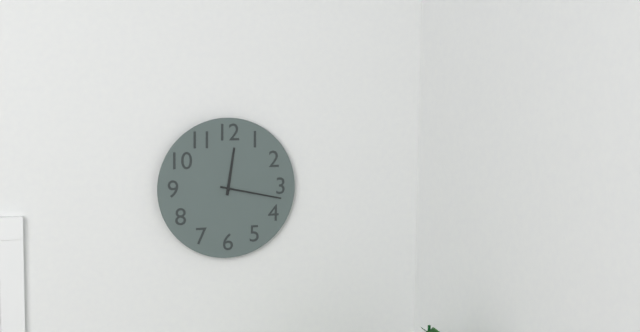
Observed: **12:17**
